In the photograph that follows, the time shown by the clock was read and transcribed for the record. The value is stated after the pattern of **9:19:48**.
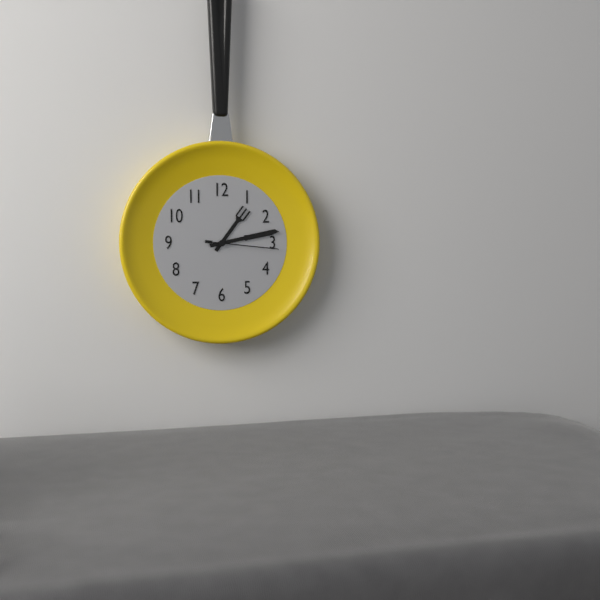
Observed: **1:13:16**
